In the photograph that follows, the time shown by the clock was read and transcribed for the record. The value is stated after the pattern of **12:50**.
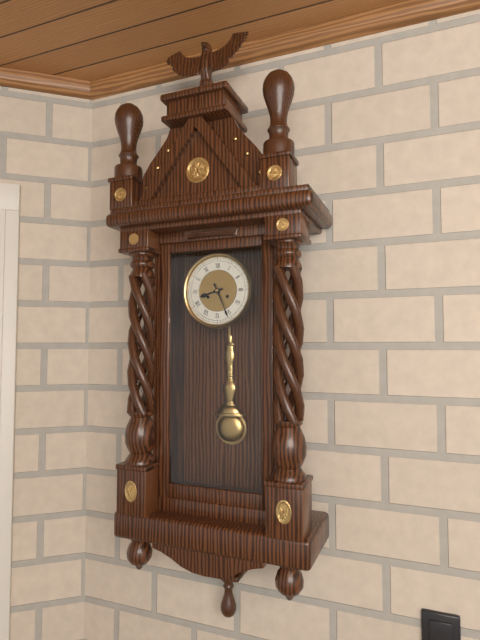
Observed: **8:26**
